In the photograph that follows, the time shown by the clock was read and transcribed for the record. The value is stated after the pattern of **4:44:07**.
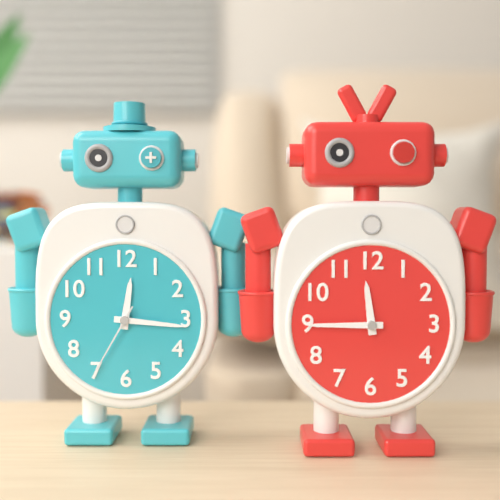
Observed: **12:16:35**
